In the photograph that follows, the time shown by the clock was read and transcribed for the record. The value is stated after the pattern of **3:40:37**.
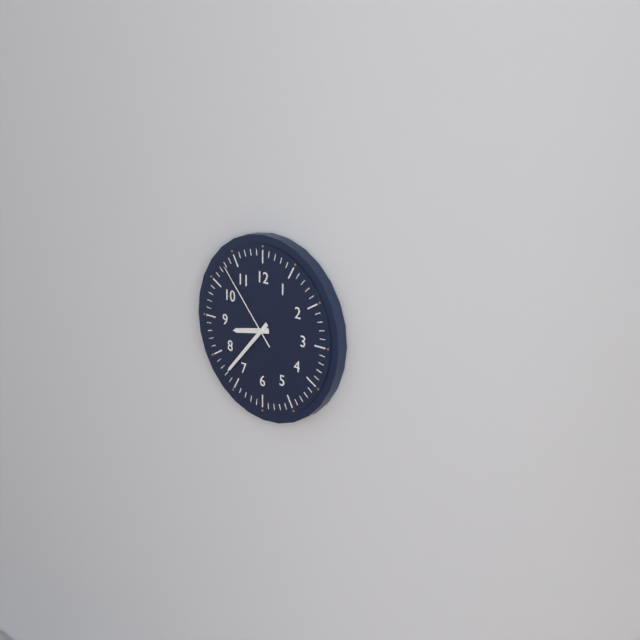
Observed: **8:37:53**
